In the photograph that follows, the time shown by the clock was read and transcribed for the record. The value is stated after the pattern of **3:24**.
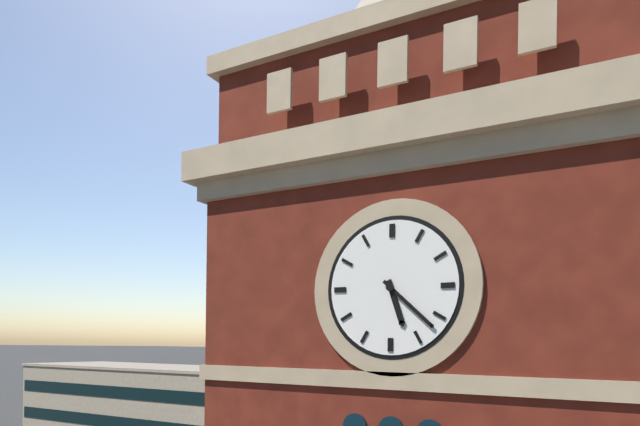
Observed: **5:22**
